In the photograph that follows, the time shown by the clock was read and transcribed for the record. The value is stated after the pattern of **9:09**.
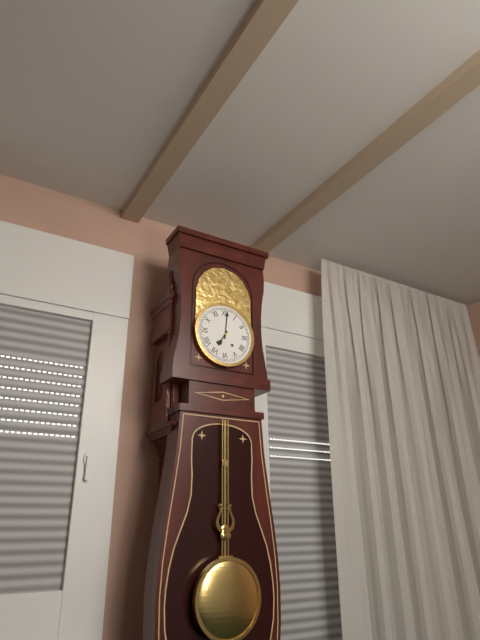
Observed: **7:01**
